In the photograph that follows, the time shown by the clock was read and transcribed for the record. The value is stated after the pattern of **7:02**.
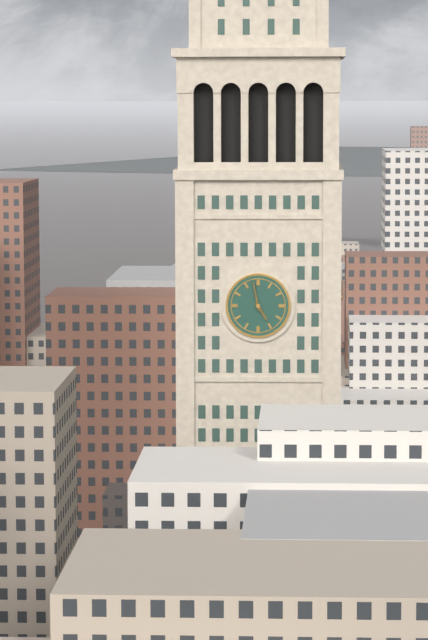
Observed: **4:58**
